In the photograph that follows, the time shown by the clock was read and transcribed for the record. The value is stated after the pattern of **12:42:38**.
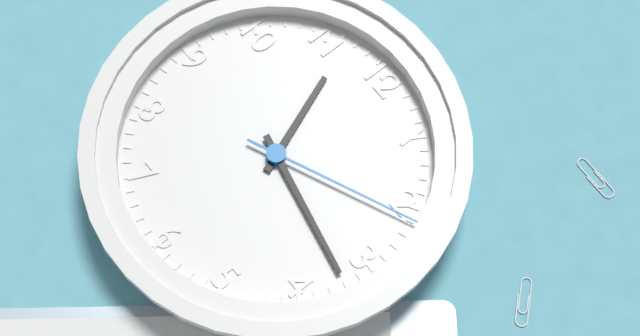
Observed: **11:17:11**
